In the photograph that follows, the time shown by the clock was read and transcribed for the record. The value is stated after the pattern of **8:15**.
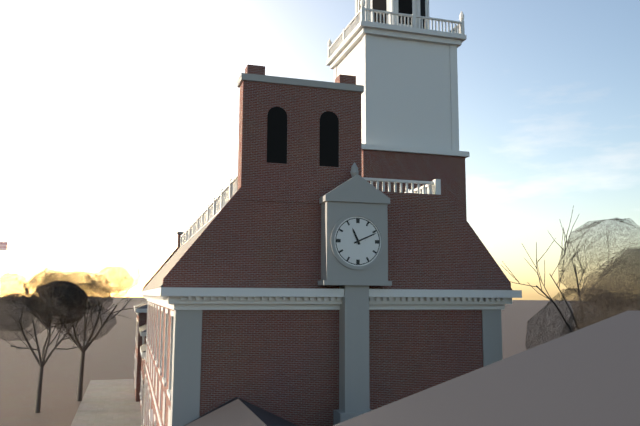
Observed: **11:11**
